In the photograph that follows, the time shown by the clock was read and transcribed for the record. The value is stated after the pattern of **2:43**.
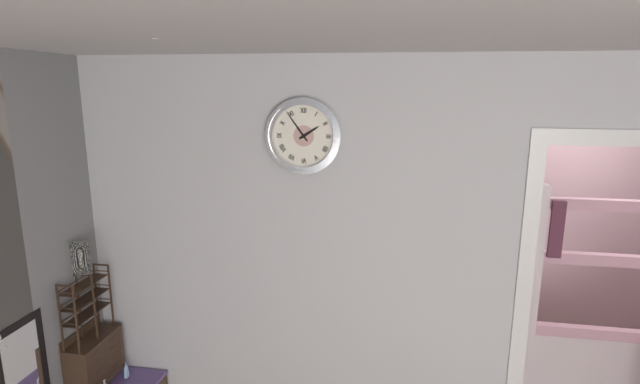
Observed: **1:54**
